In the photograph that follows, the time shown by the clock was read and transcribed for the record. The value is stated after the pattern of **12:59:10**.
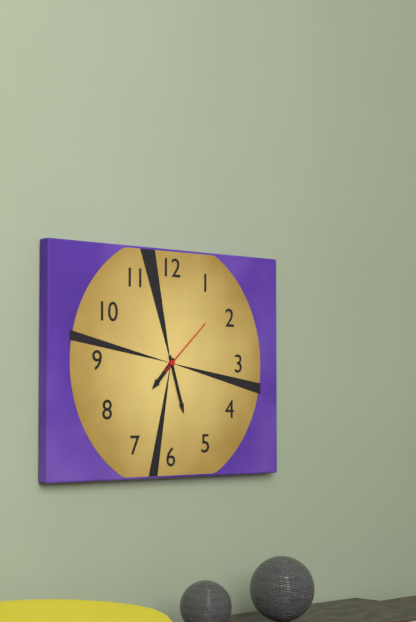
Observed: **7:27:08**
